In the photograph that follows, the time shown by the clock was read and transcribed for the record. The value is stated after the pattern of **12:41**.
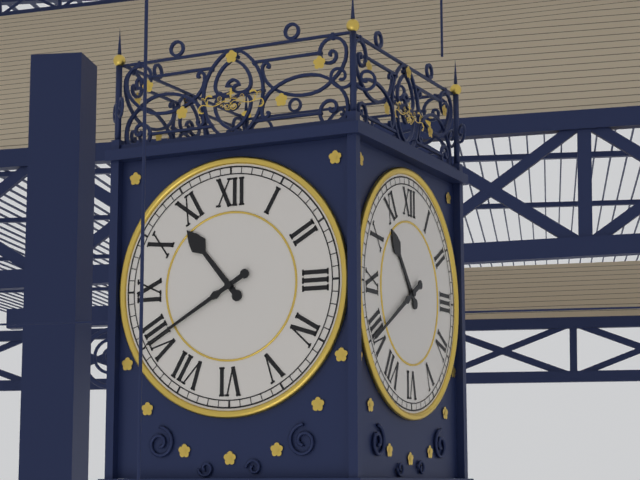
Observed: **10:40**
